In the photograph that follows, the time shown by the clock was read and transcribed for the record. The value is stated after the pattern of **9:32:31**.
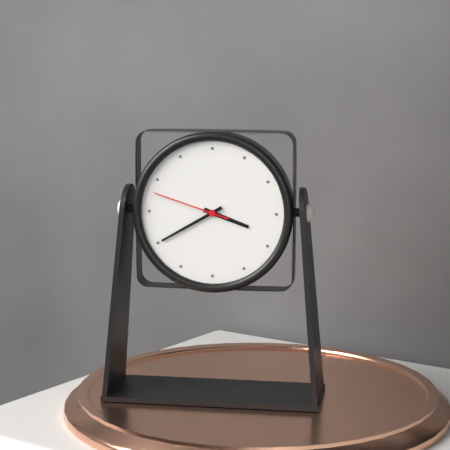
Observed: **3:40:48**
